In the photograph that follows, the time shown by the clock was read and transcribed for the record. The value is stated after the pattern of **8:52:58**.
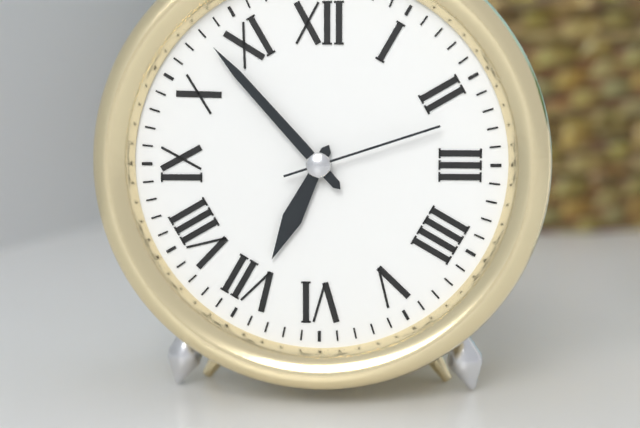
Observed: **6:53:12**
